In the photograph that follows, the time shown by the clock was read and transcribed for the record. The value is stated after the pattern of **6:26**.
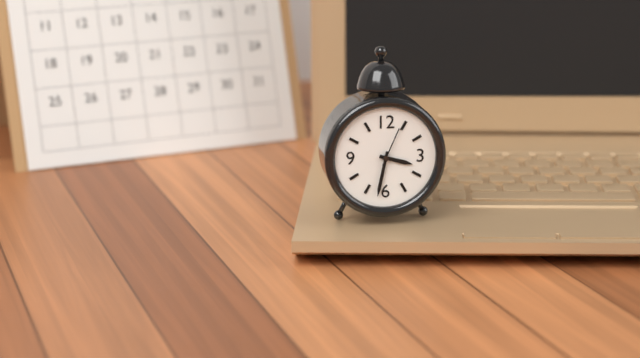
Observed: **3:32**
